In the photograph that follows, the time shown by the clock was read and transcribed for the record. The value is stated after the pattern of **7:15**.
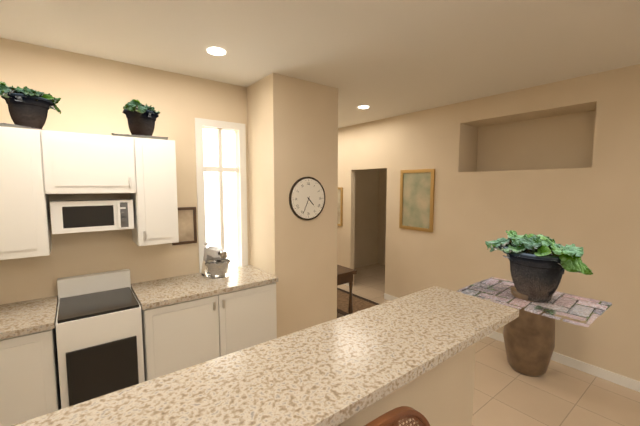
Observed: **4:34**
